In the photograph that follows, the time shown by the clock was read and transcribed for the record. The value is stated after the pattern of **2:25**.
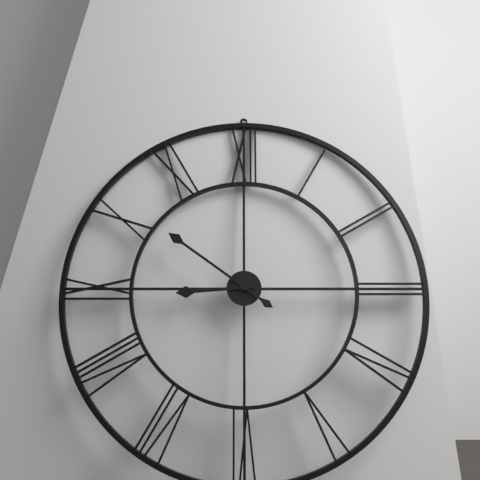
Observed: **8:51**
